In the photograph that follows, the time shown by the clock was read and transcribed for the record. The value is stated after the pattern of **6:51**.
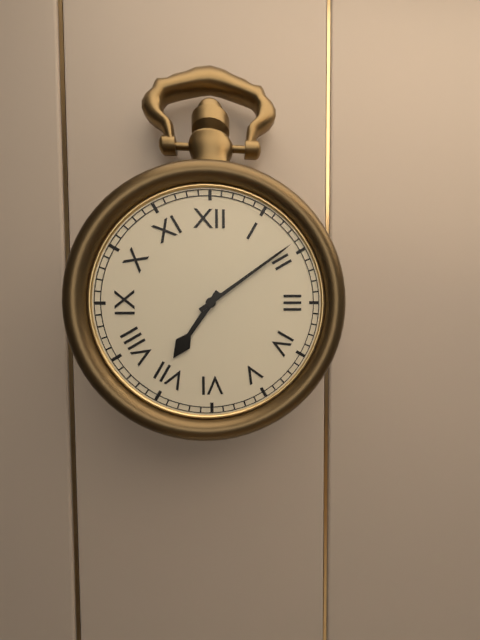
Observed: **7:09**
